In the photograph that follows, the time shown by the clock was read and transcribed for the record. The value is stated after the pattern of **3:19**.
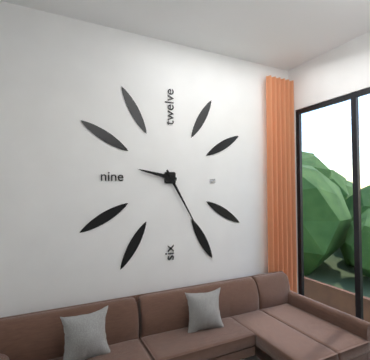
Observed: **9:25**
